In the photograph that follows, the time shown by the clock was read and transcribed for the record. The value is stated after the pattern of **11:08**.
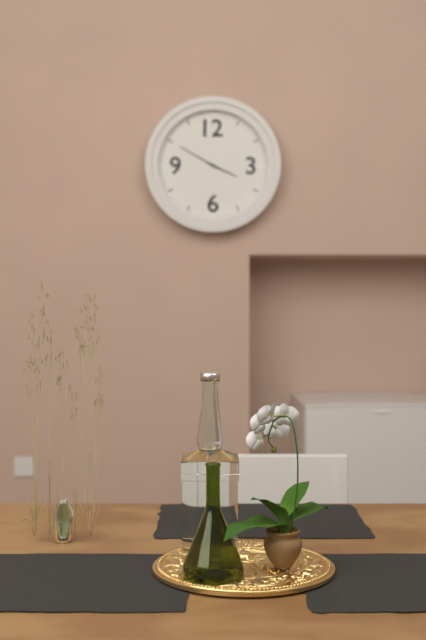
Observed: **3:50**
